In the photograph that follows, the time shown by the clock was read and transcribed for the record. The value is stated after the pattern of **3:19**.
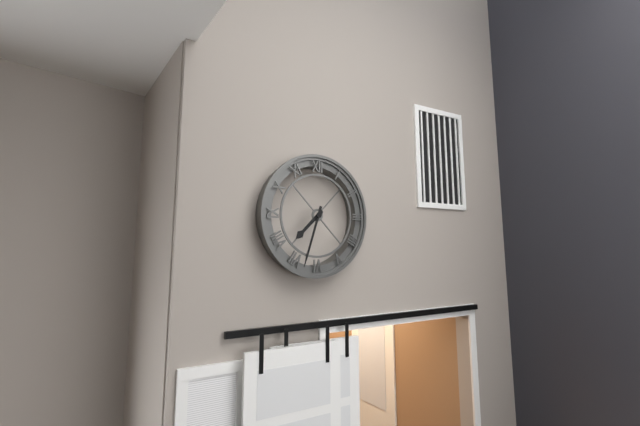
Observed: **7:33**
